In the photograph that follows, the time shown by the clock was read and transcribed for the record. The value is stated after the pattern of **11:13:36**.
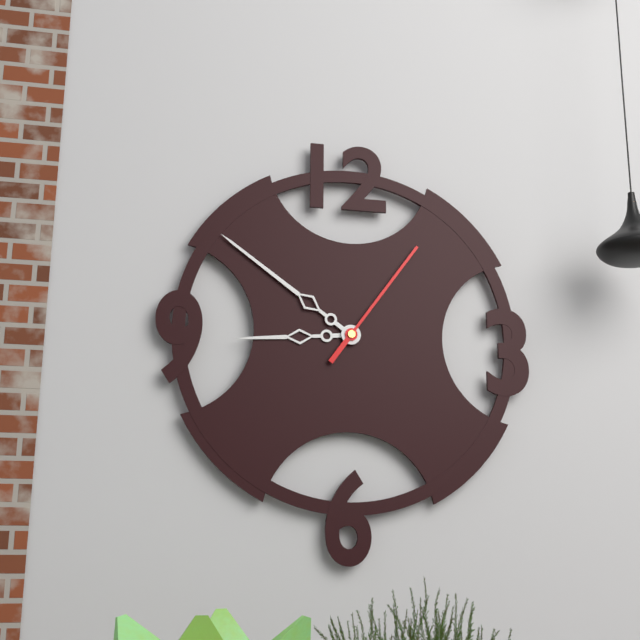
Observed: **8:51:06**
